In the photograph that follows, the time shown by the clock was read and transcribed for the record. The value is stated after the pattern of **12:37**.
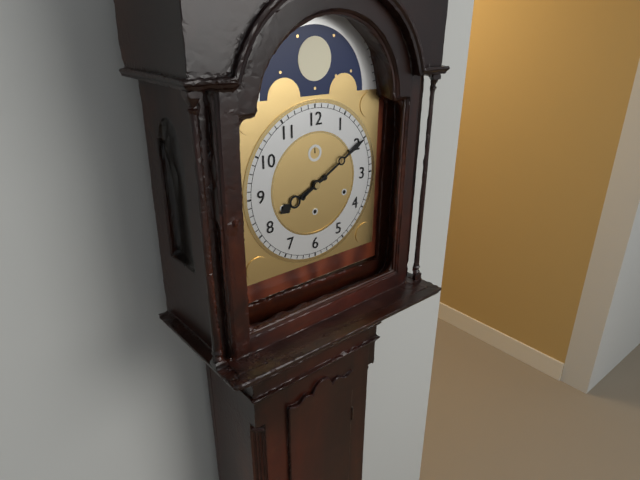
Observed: **8:10**
